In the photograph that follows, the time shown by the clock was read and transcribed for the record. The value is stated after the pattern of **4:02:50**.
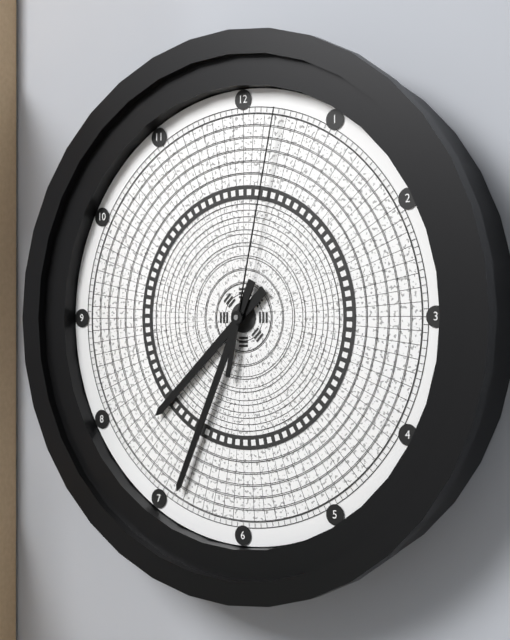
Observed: **7:34:02**
